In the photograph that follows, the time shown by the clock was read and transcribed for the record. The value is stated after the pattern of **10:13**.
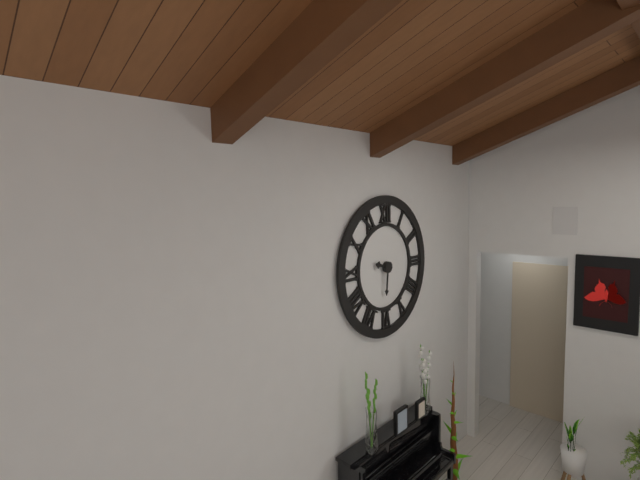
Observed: **9:31**
